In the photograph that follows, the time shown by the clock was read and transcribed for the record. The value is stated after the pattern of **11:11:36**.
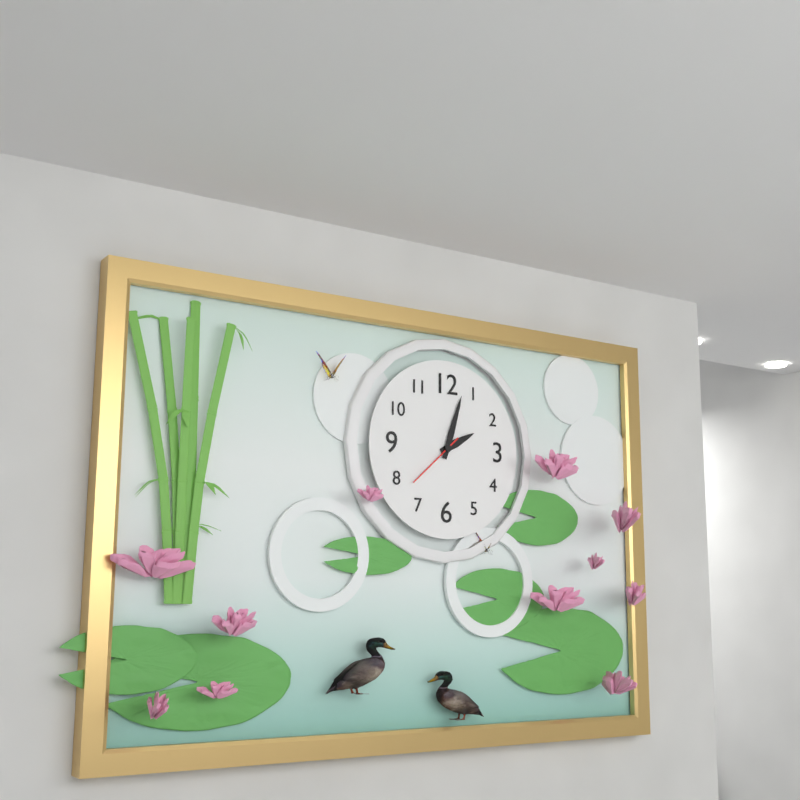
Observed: **2:03:38**
